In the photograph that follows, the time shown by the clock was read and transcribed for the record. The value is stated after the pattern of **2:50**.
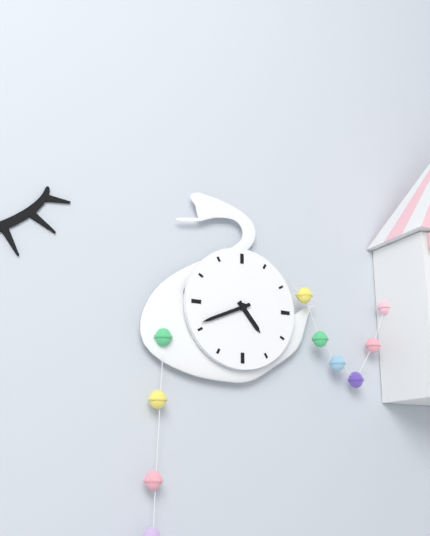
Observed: **4:41**
